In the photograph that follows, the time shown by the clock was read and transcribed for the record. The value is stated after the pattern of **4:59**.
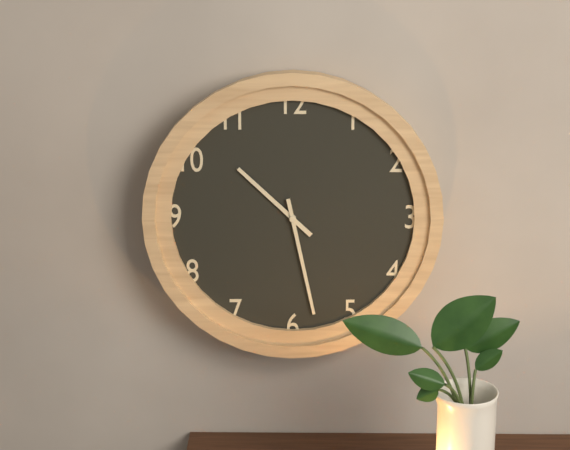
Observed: **10:28**
